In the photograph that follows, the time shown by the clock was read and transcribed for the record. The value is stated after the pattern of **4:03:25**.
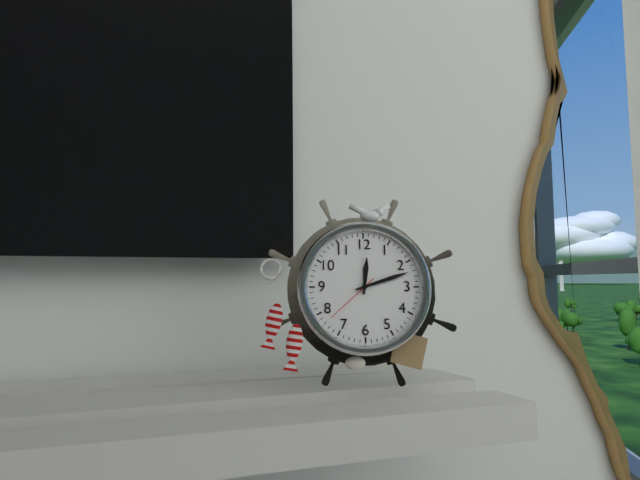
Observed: **12:12:38**
